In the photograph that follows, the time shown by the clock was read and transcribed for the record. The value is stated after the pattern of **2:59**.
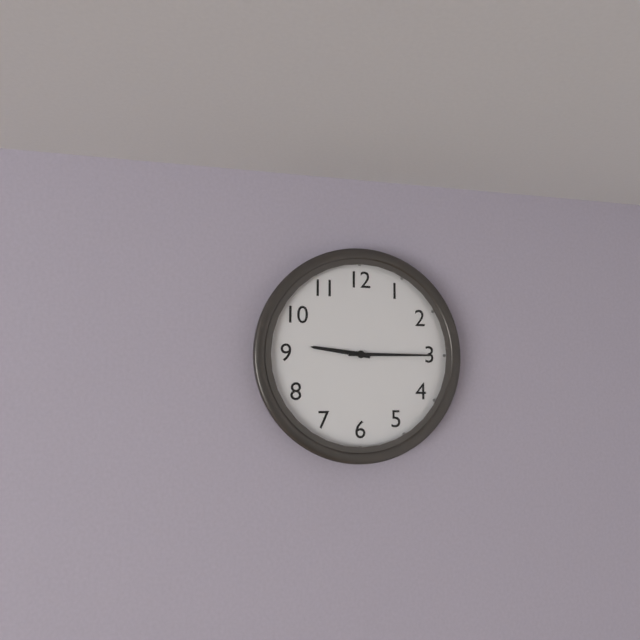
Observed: **9:15**
